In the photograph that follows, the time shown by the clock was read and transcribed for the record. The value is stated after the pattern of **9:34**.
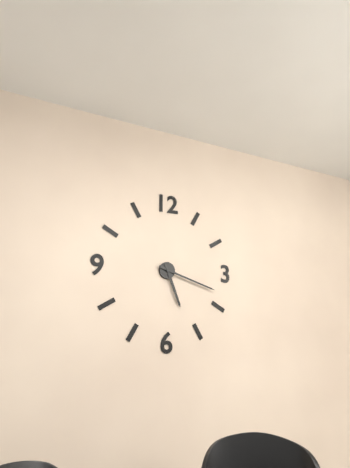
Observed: **5:18**
